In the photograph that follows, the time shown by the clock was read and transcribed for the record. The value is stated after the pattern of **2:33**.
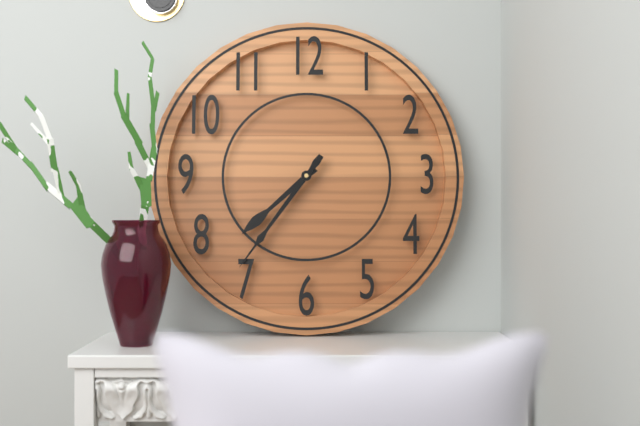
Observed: **7:36**
